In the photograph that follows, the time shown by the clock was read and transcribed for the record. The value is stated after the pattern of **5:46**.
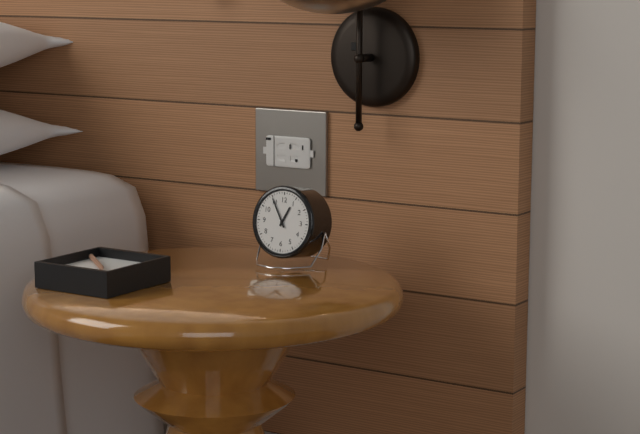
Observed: **12:55**
